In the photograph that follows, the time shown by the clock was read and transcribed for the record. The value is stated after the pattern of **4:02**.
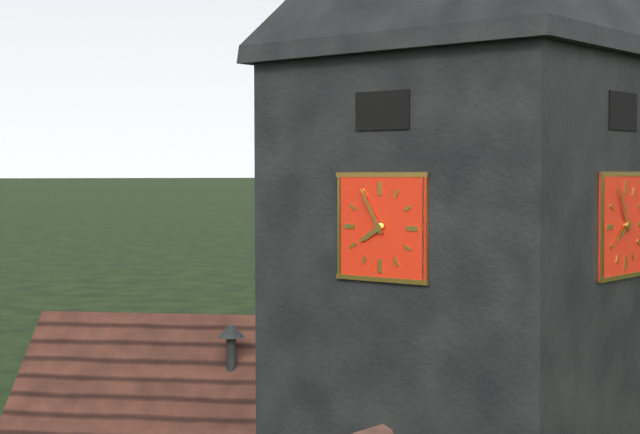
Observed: **7:55**
